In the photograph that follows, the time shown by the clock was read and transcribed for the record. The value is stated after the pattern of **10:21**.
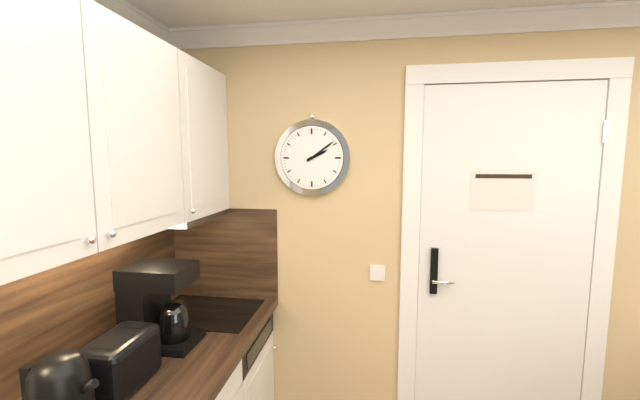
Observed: **2:09**
